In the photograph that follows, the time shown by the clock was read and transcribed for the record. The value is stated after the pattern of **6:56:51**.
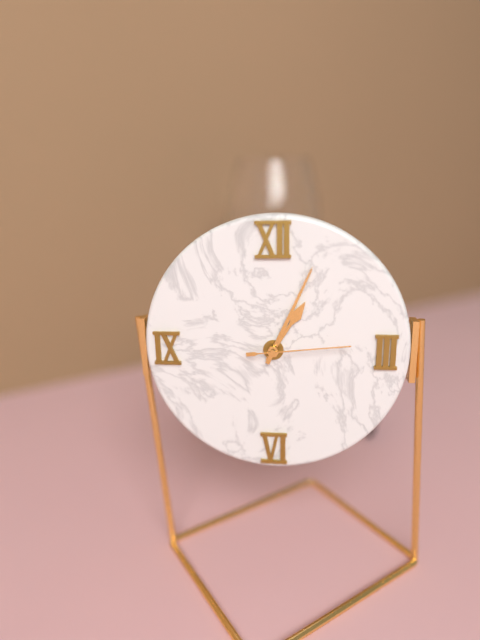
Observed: **1:04:14**
